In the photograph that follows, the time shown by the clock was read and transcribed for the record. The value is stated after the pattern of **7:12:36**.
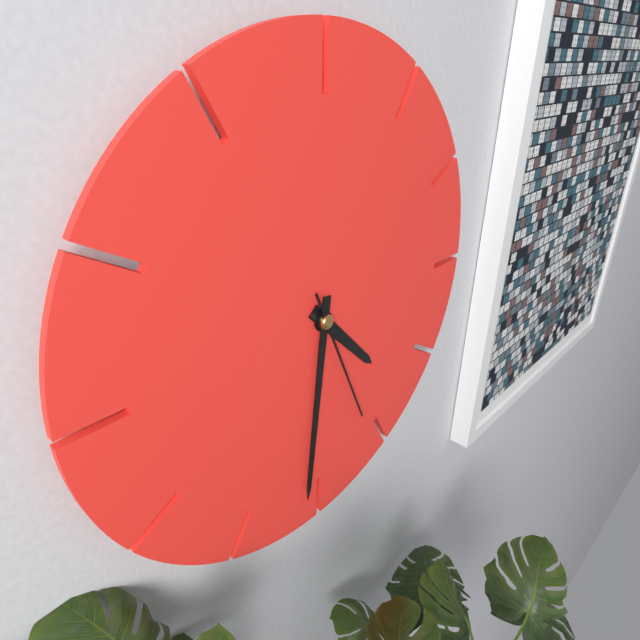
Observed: **4:31:26**
